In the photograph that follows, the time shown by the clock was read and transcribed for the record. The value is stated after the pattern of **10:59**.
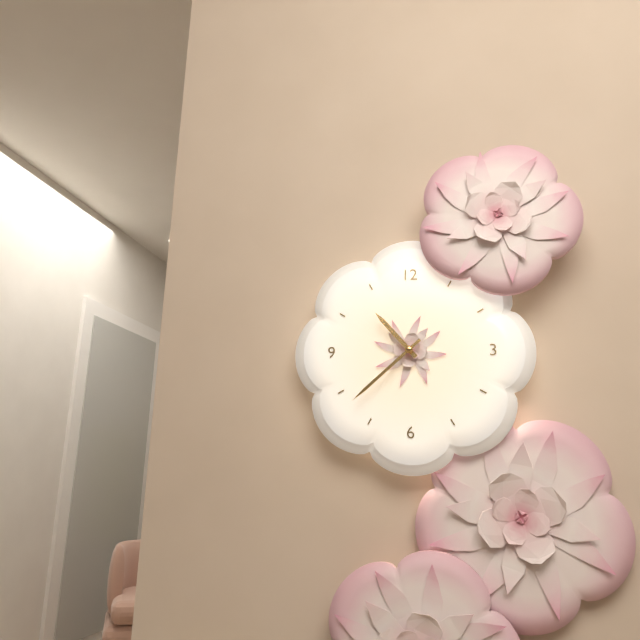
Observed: **10:38**
